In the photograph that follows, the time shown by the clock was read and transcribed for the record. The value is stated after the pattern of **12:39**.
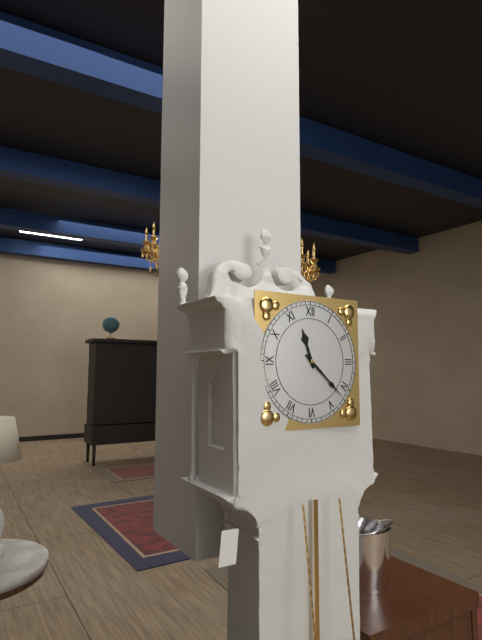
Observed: **11:22**
